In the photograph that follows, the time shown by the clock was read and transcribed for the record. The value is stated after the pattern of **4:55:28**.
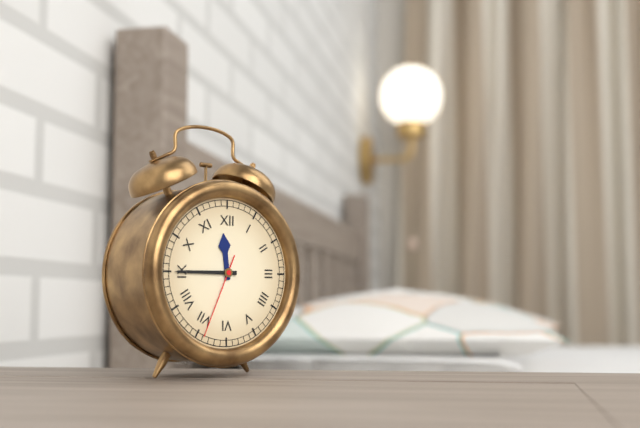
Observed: **11:45:34**
